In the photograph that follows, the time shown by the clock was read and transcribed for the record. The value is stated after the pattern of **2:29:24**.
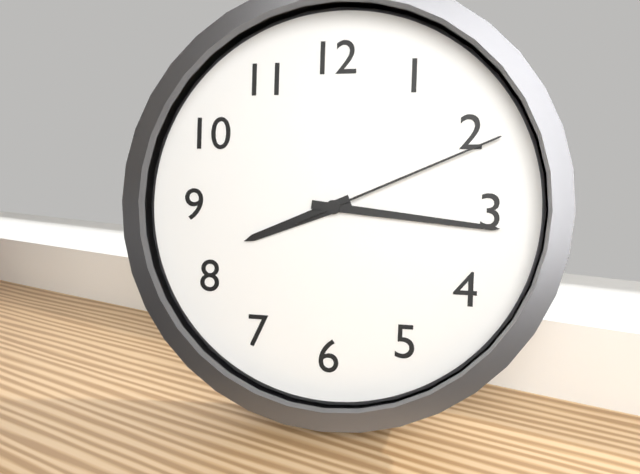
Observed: **8:16:11**
